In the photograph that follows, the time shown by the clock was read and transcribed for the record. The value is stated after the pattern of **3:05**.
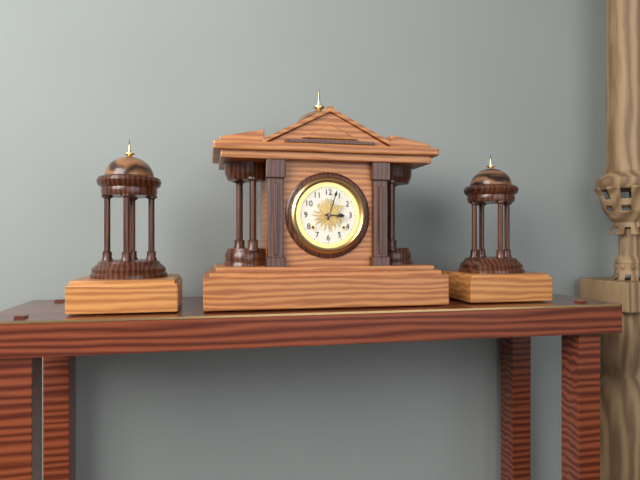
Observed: **3:03**
